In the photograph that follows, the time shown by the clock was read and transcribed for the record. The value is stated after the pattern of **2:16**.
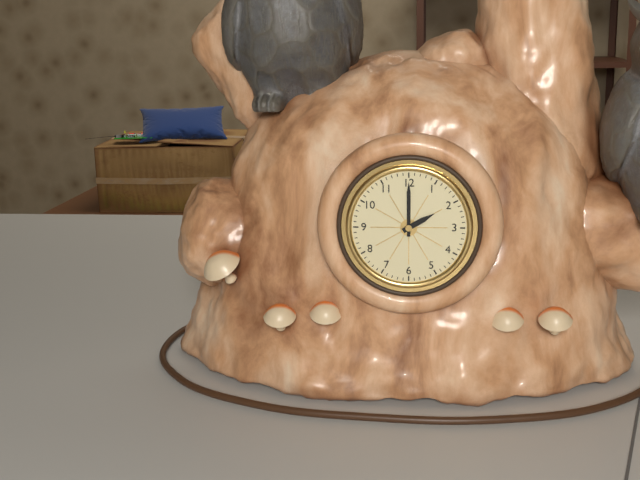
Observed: **2:00**
